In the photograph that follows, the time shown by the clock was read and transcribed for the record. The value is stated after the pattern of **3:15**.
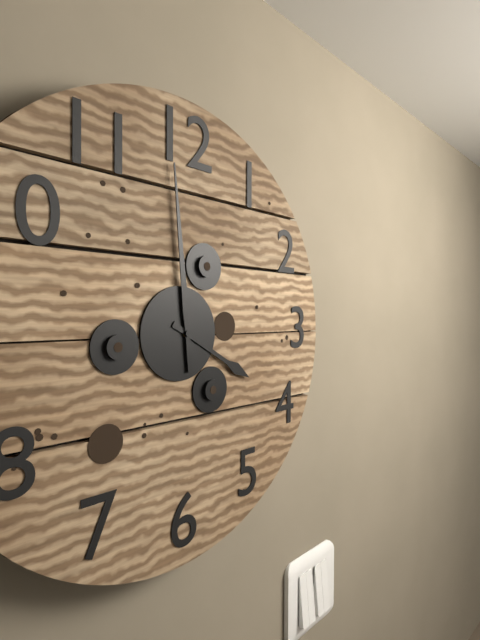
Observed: **3:59**
